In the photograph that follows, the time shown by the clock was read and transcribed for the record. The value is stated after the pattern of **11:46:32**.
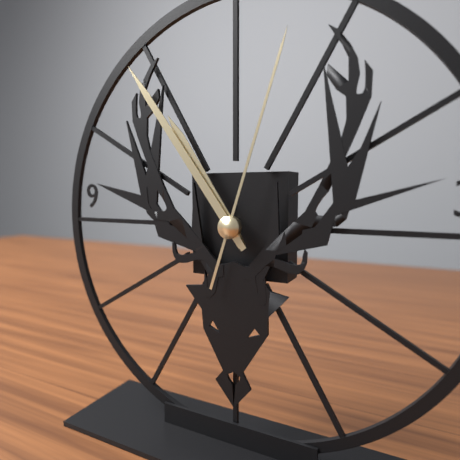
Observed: **10:54:03**
